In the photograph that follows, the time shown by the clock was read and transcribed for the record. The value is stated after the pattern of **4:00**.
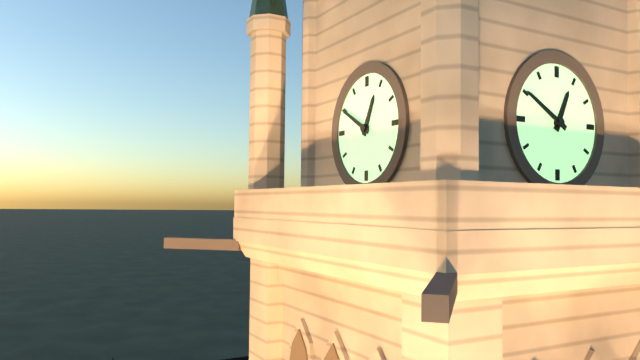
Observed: **12:50**
